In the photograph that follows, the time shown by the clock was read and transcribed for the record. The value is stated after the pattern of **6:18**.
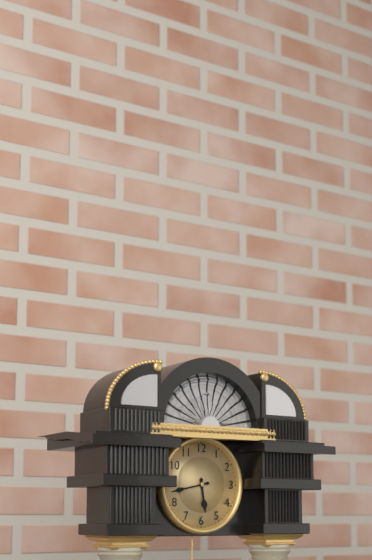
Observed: **5:43**
